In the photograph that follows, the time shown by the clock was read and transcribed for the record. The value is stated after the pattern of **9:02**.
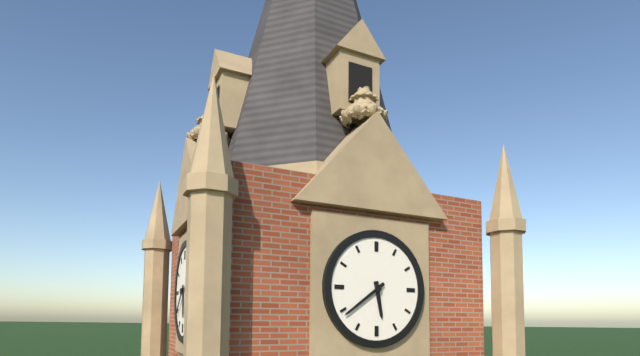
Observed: **5:39**
